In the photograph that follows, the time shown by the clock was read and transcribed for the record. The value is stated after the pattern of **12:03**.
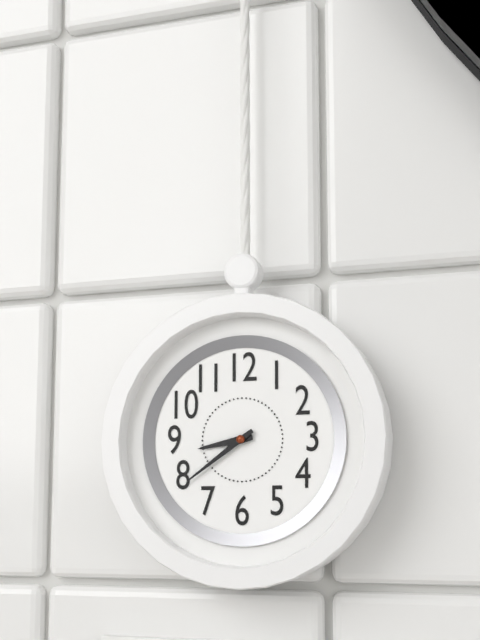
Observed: **8:39**
